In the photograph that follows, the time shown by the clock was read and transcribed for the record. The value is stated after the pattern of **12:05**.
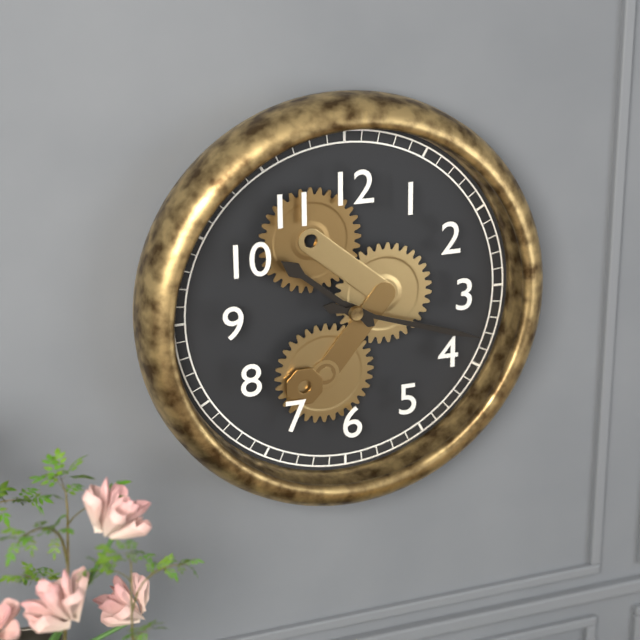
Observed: **10:18**
